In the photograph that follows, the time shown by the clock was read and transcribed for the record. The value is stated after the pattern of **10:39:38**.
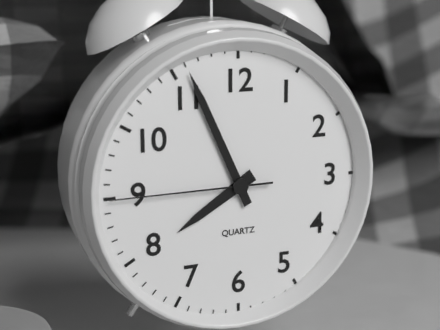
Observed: **7:56:45**
